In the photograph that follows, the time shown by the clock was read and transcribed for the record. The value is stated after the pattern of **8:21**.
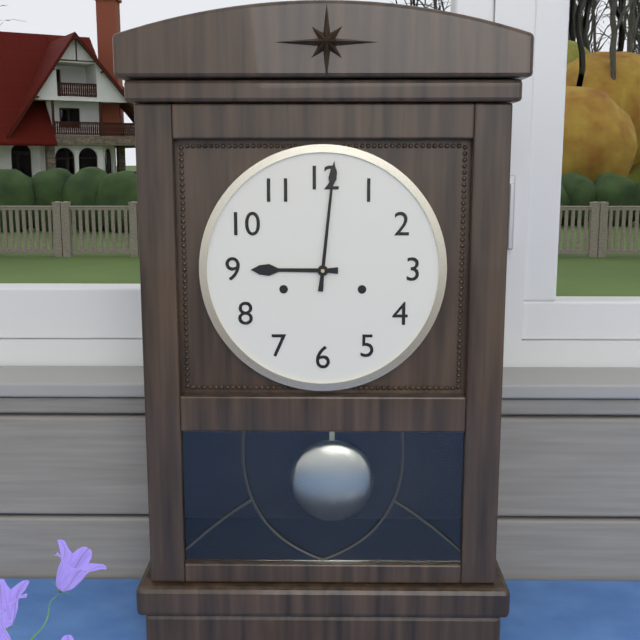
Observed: **9:01**
